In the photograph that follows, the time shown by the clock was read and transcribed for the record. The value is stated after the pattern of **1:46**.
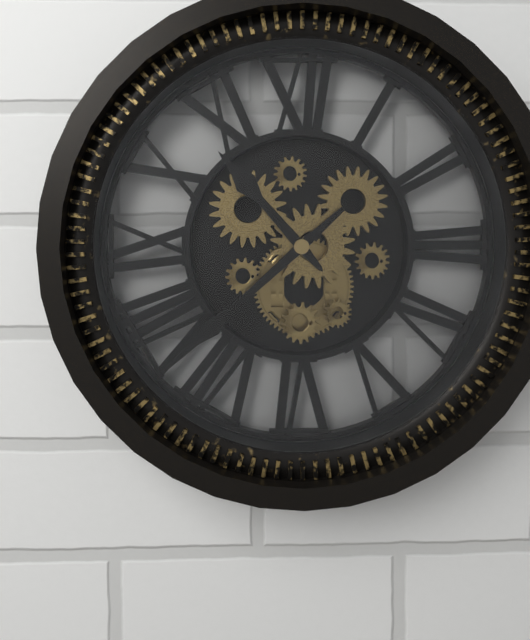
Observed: **10:38**
